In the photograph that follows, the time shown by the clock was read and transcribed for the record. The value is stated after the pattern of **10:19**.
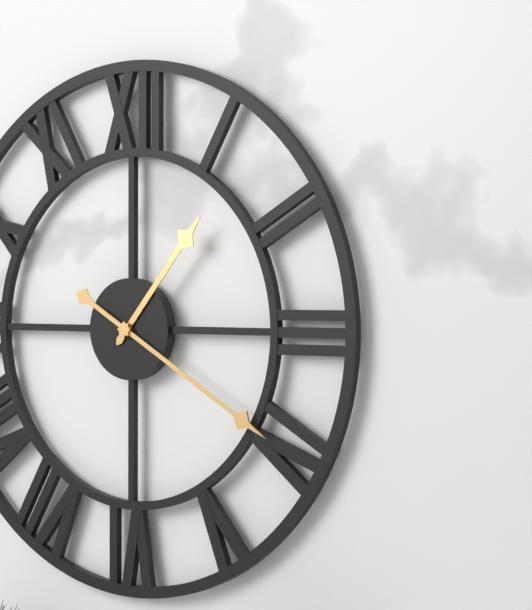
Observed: **1:20**
